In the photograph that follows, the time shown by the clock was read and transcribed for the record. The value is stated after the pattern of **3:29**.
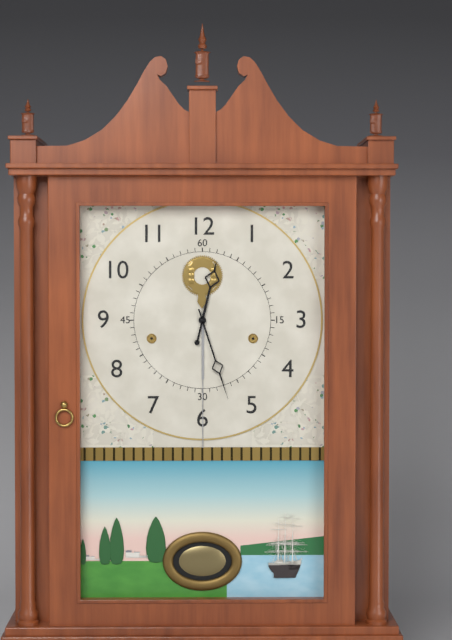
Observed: **12:27**
